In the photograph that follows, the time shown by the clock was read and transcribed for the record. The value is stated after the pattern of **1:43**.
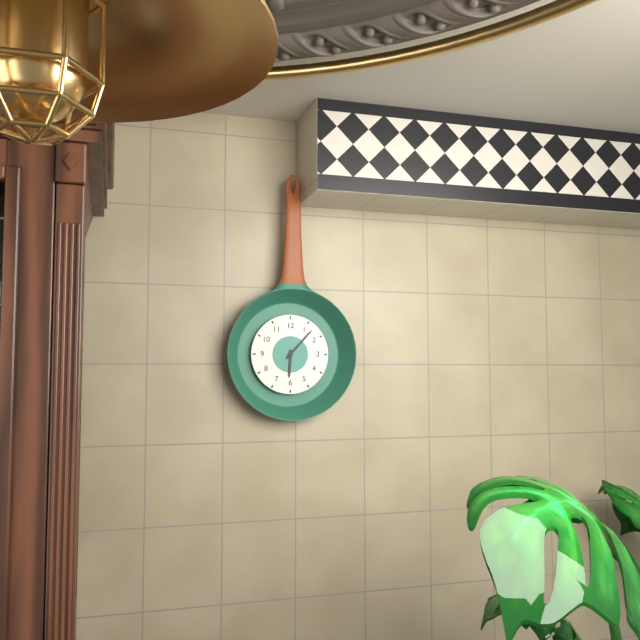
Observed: **6:07**
